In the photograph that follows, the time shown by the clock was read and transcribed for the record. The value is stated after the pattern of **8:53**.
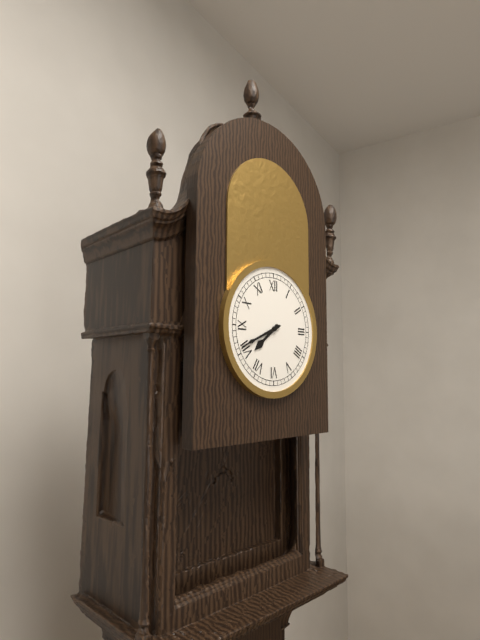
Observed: **7:41**
